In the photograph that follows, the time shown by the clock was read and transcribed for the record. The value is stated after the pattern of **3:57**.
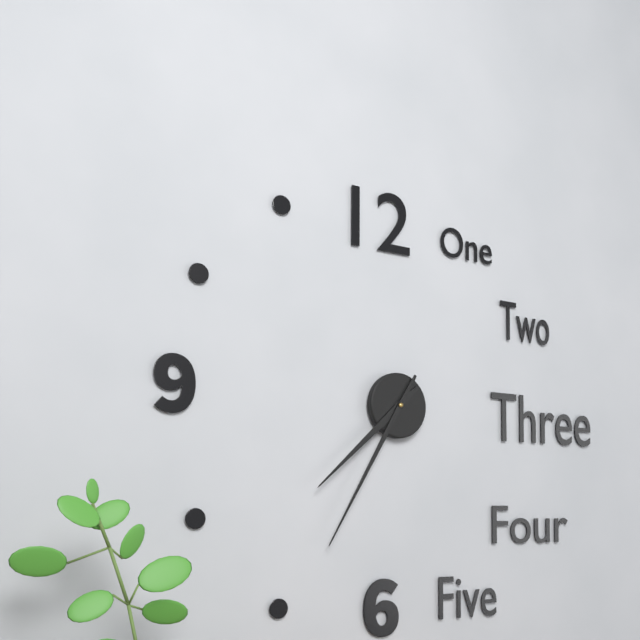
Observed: **7:35**
